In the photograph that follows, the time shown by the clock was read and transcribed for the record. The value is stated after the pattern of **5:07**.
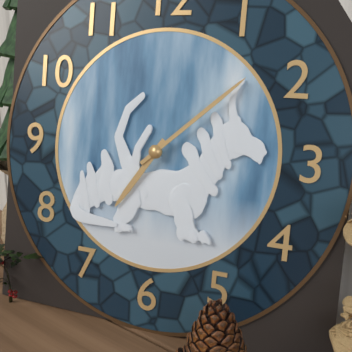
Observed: **7:08**
